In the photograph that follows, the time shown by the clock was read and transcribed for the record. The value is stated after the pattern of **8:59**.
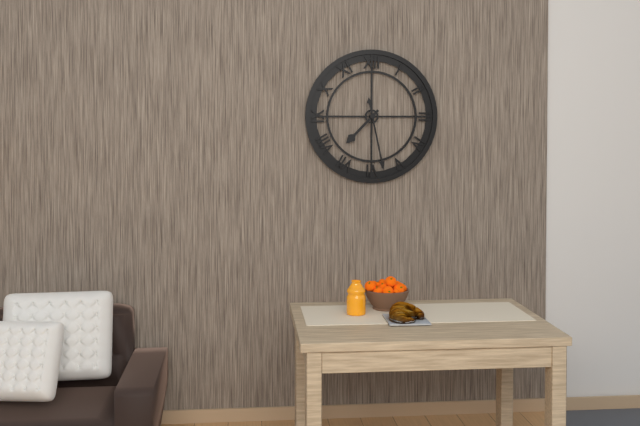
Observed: **7:28**
